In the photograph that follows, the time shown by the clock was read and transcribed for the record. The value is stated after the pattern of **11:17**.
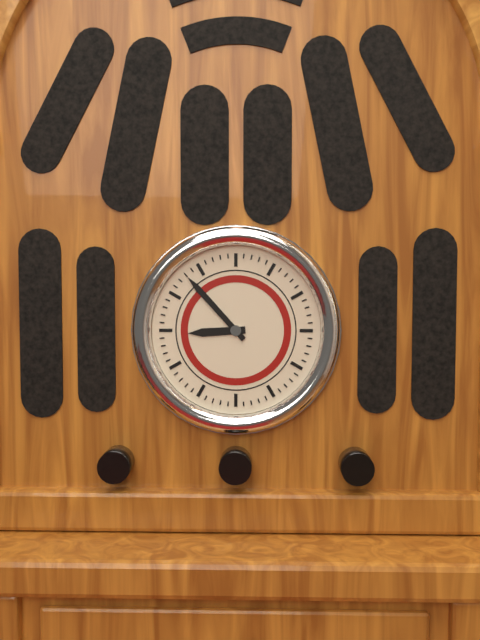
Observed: **8:53**
